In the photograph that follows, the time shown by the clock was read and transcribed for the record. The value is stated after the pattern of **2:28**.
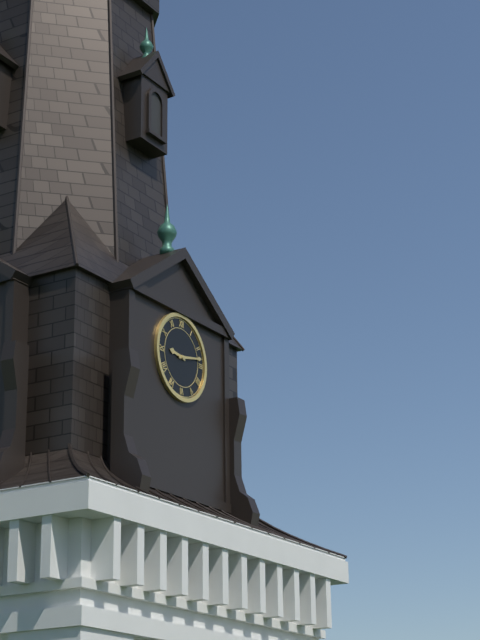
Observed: **9:13**
